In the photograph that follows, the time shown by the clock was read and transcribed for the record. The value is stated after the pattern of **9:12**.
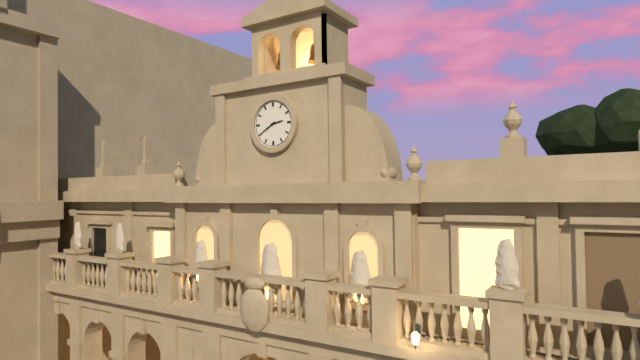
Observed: **2:40**
